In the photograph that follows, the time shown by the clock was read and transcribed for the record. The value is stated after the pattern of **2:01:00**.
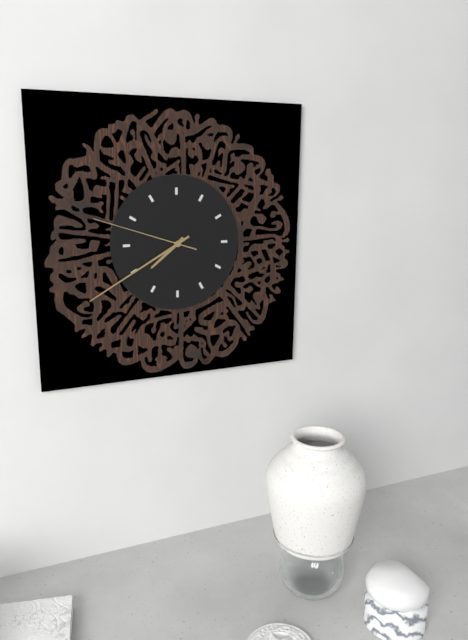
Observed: **7:40:48**
